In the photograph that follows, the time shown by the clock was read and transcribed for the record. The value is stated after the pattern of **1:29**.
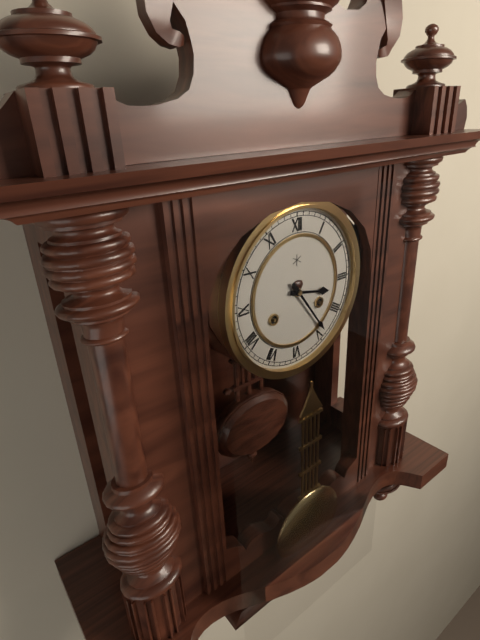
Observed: **3:24**
